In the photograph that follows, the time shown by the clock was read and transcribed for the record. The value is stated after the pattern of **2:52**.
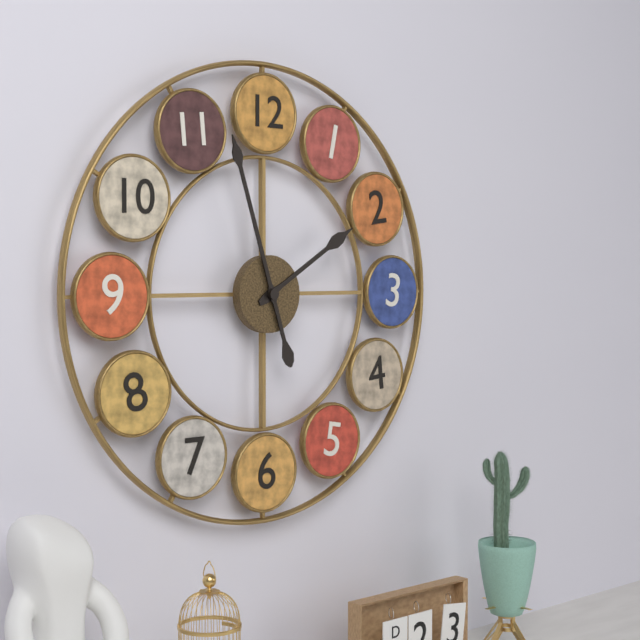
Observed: **1:57**
